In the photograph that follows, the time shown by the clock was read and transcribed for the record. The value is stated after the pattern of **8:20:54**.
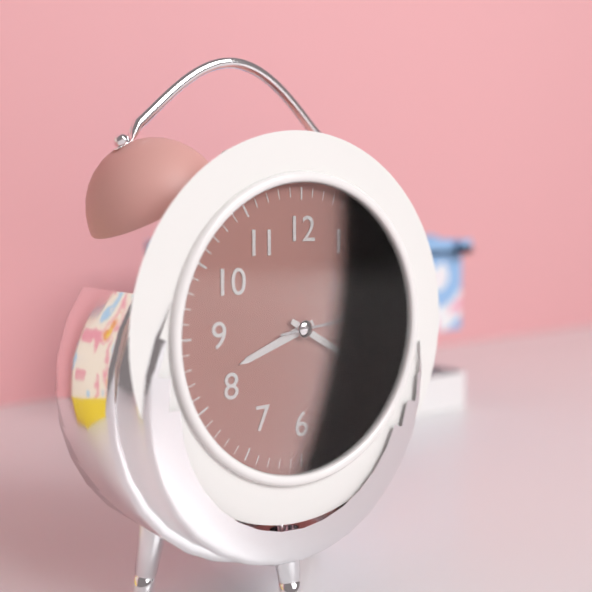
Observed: **8:20:14**
